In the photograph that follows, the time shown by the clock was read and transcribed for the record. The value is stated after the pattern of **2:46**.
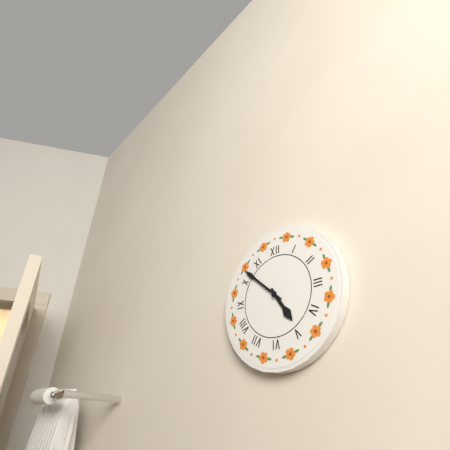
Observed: **4:52**
